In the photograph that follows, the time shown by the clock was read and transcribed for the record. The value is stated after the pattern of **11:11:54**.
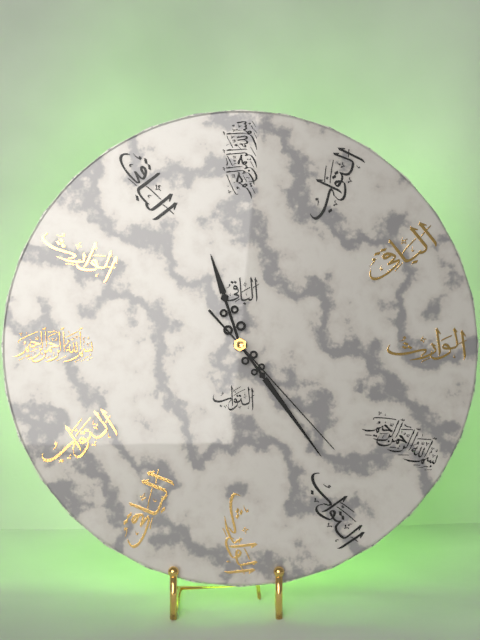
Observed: **11:24:23**
